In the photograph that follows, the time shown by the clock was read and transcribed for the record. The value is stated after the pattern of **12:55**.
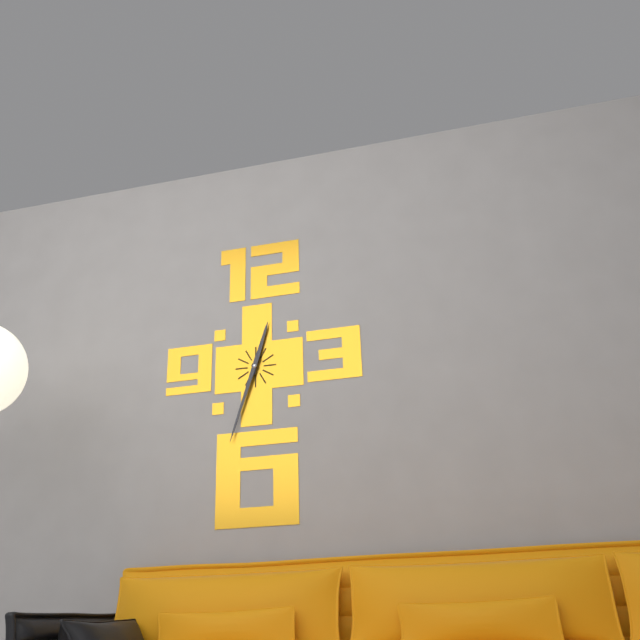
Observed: **12:33**
